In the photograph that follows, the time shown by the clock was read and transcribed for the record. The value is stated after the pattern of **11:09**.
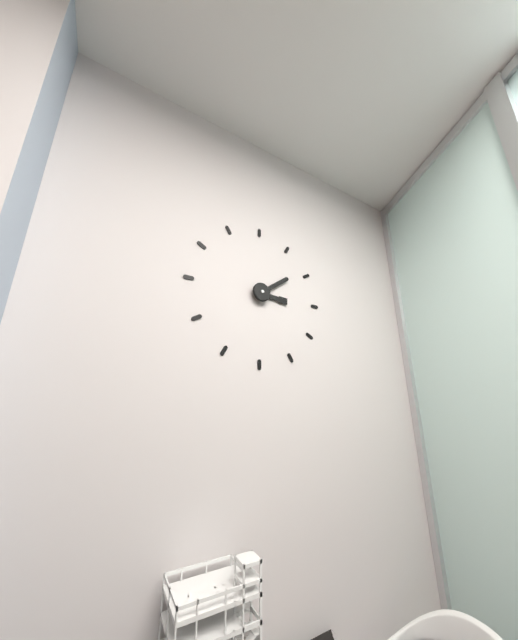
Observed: **3:09**
